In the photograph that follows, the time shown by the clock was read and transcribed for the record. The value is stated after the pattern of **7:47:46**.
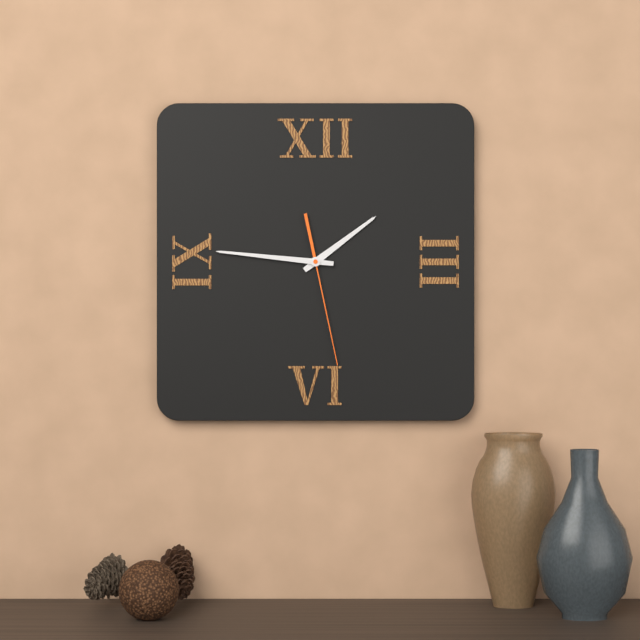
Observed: **1:46:28**
